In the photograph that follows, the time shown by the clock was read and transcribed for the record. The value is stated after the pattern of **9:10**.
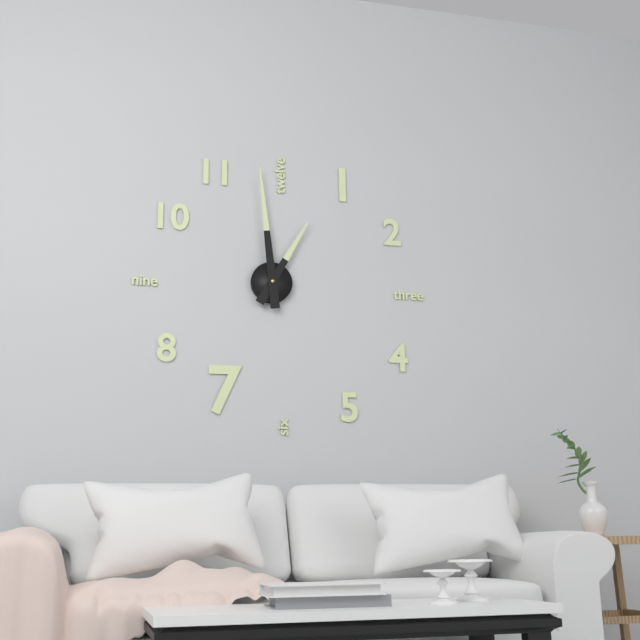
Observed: **12:59**
